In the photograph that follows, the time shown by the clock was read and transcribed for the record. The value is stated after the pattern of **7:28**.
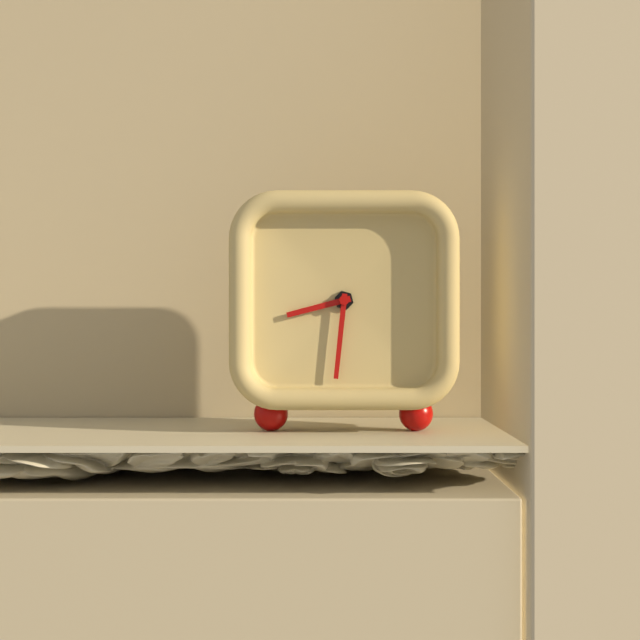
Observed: **8:31**
